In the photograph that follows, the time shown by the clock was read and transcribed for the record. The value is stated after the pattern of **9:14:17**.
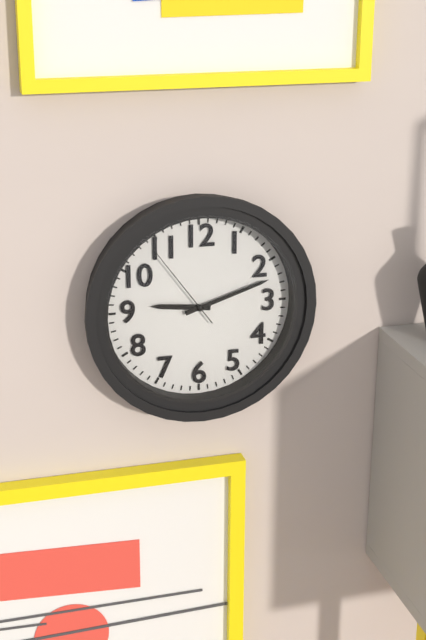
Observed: **9:12:54**
